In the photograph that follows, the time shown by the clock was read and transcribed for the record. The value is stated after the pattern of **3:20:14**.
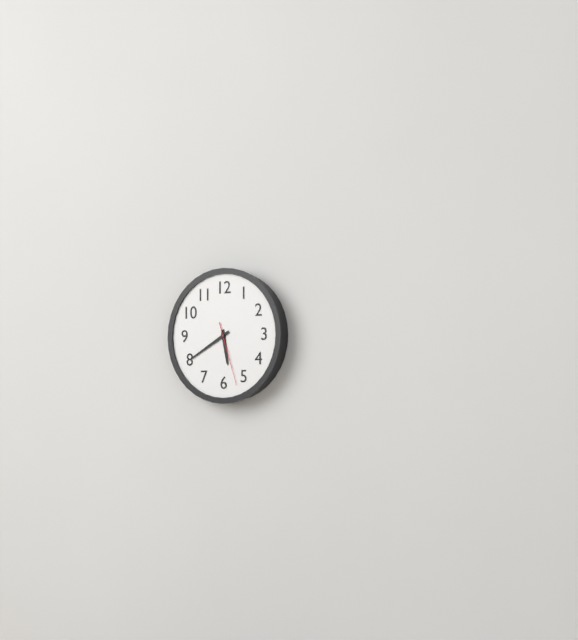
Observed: **5:40:27**
